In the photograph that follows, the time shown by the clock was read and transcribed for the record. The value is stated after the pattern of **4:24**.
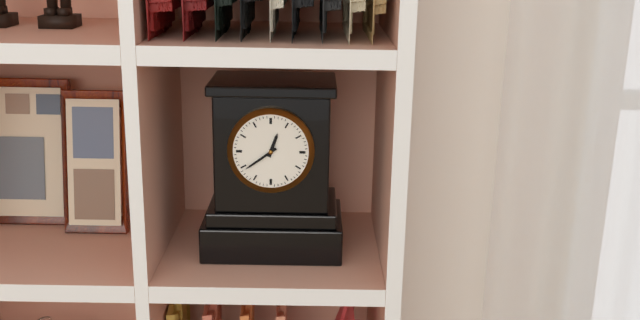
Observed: **12:39**
